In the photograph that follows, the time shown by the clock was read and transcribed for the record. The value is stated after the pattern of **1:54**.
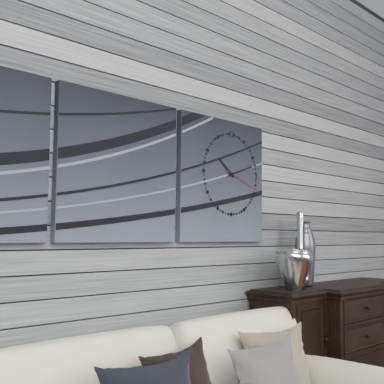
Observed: **10:12**
